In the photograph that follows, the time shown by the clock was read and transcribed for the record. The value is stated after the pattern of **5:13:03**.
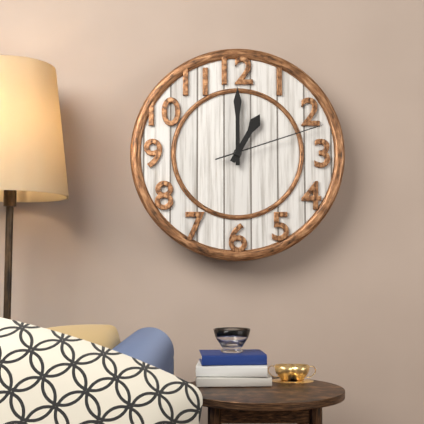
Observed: **1:00:12**
